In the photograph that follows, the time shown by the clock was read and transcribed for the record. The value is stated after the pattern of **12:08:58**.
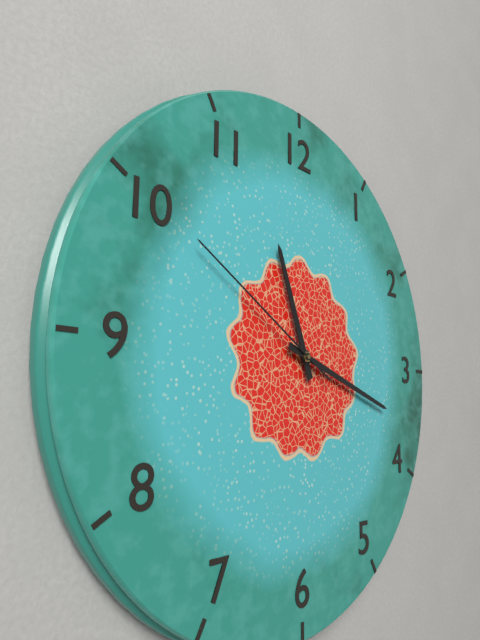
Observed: **11:18:50**
